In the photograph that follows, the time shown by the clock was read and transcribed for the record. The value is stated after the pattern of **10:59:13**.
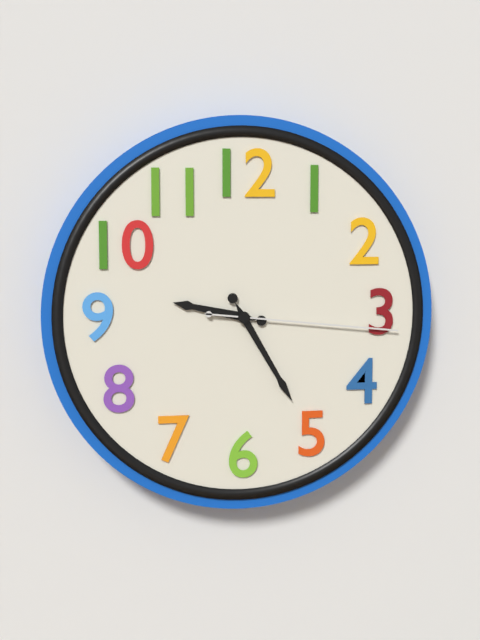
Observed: **9:25:16**
